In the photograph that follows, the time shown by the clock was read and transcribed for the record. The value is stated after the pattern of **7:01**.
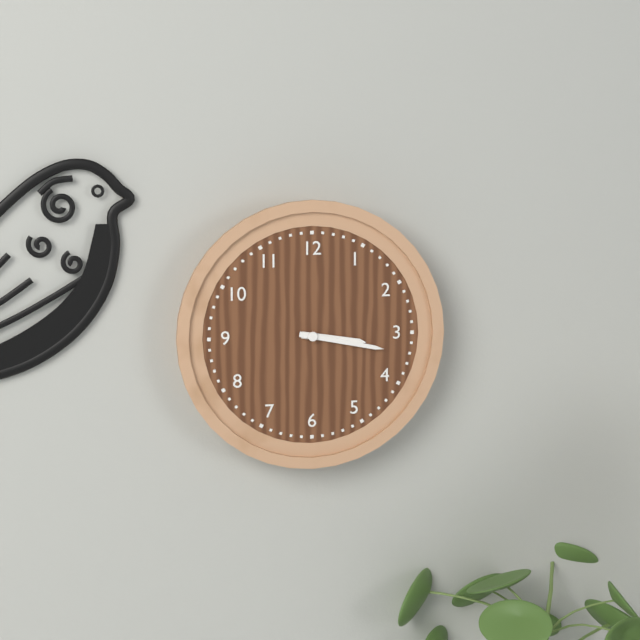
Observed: **3:17**
